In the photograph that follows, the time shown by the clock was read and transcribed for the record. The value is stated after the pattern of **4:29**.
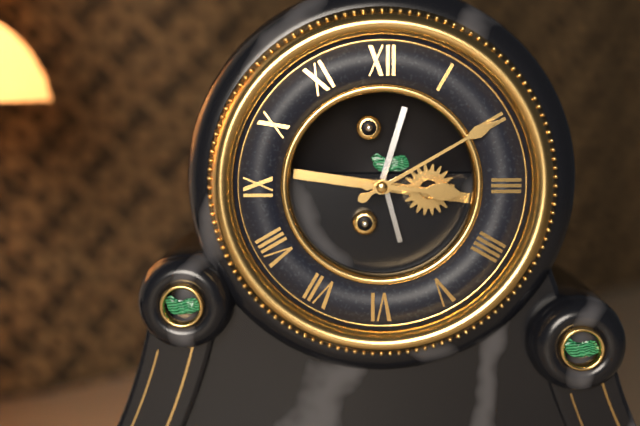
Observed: **3:10**
